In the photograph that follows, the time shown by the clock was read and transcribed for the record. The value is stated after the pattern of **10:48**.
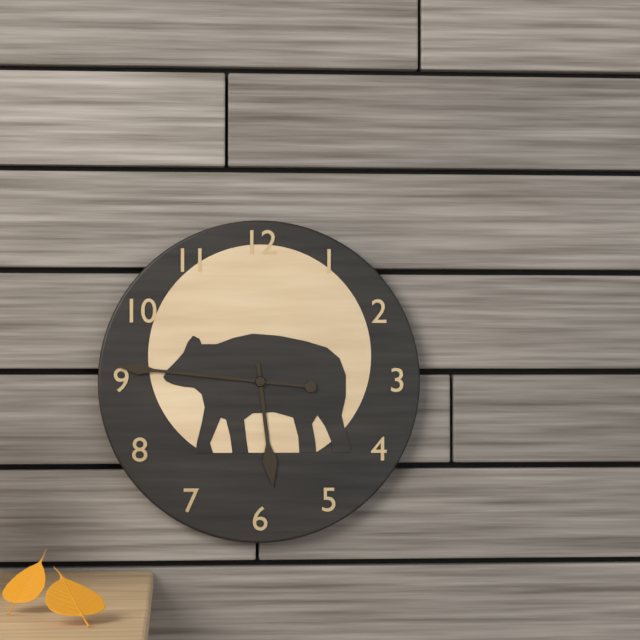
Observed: **5:46**
